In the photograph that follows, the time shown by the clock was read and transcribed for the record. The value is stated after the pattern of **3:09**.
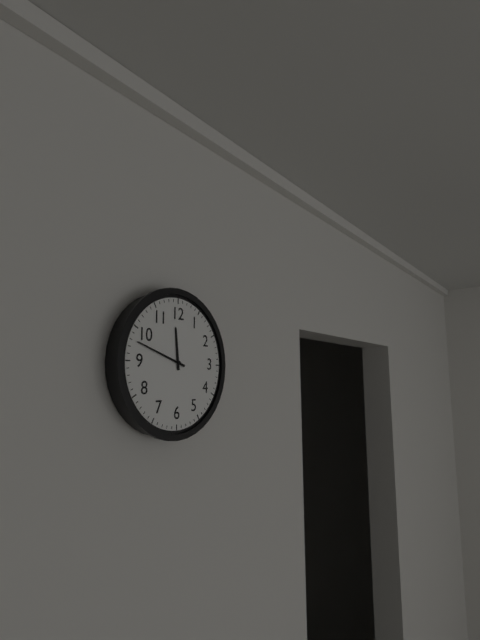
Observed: **11:48**
